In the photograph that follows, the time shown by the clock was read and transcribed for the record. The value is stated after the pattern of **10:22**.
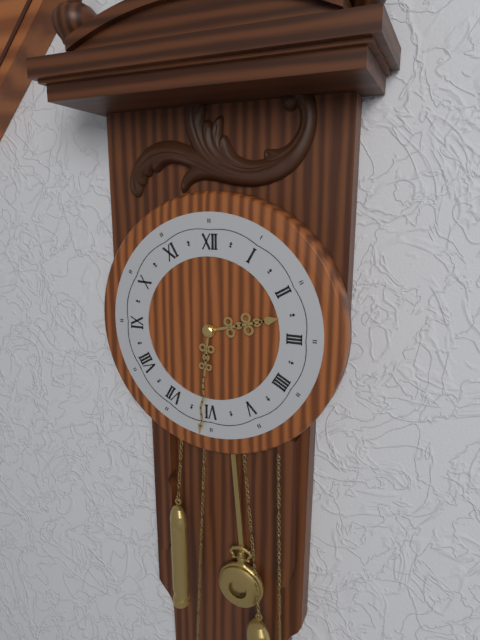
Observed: **2:31**
